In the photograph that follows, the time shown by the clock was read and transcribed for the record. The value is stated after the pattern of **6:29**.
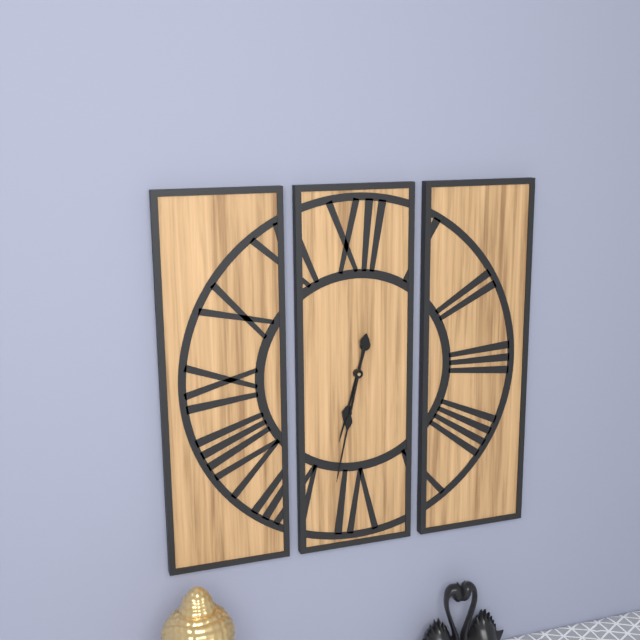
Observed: **6:32**
